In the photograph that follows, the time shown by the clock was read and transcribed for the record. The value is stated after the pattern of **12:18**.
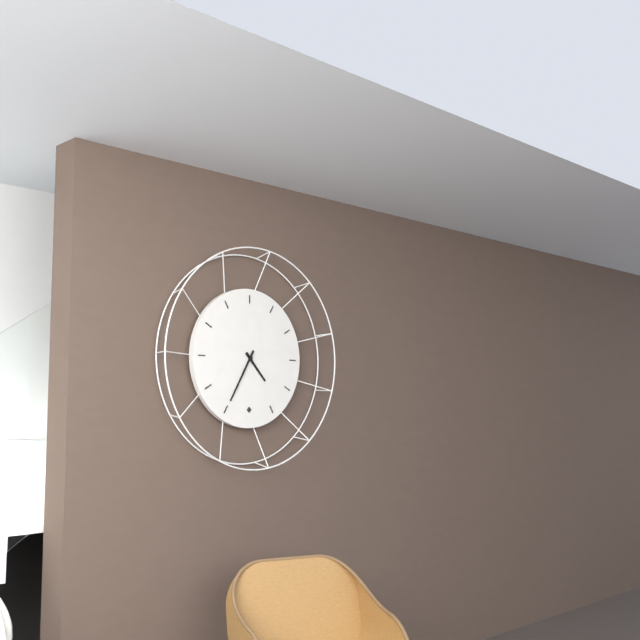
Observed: **4:35**
